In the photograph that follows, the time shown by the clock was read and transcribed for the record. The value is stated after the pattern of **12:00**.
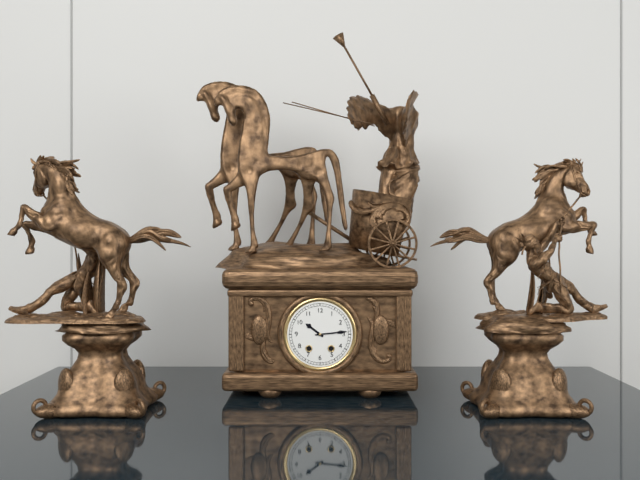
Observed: **10:14**
